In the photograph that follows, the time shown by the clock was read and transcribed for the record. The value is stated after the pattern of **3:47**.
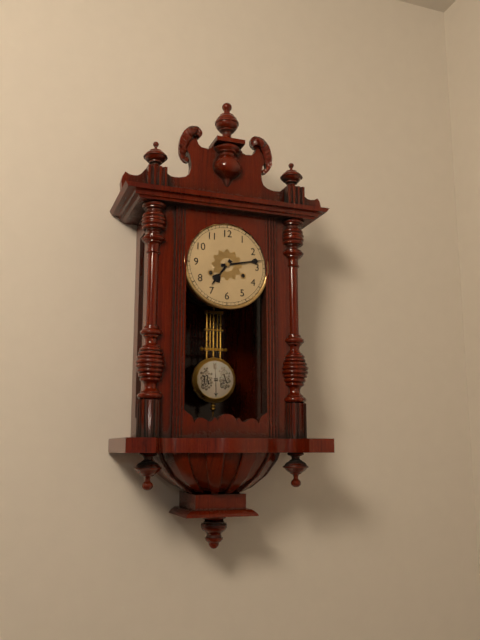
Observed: **7:13**
